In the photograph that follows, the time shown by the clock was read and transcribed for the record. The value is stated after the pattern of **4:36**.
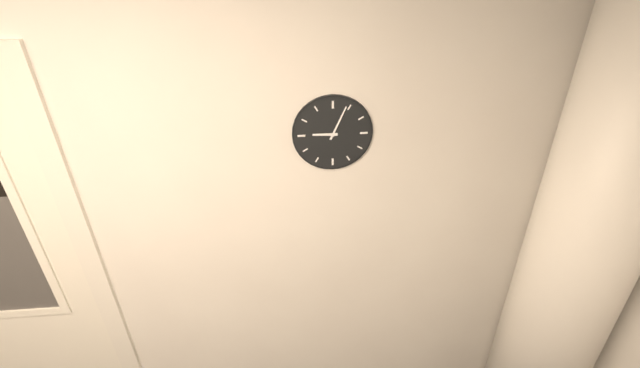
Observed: **9:04**
